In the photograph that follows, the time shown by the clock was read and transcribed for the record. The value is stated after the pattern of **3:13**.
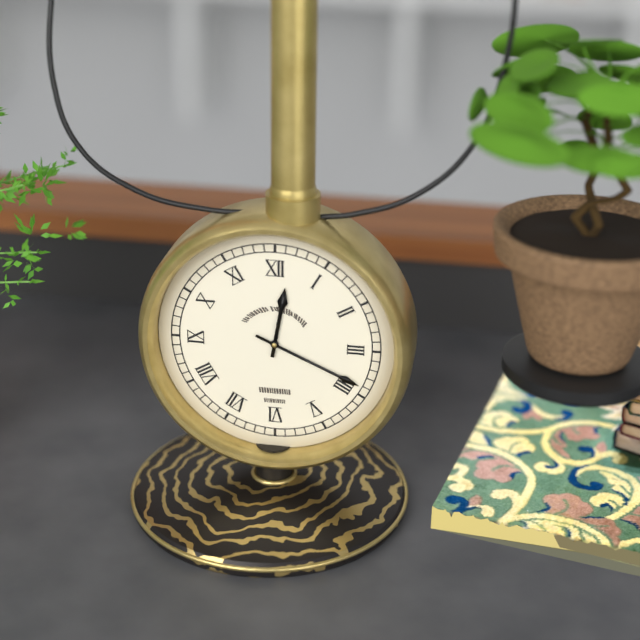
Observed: **12:19**
